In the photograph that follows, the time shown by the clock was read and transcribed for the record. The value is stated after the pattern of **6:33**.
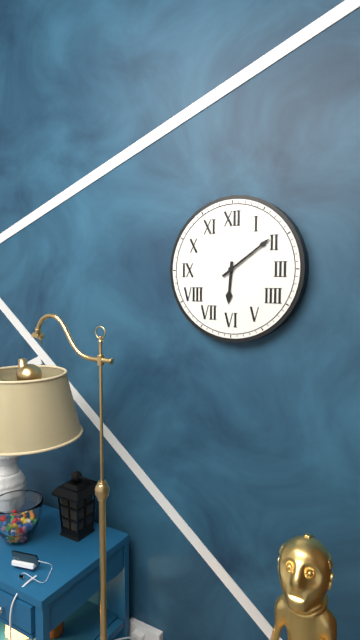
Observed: **6:09**
